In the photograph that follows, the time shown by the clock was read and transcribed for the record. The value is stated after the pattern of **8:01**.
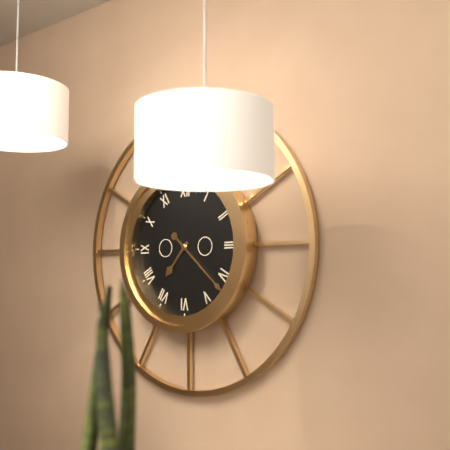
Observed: **7:22**
